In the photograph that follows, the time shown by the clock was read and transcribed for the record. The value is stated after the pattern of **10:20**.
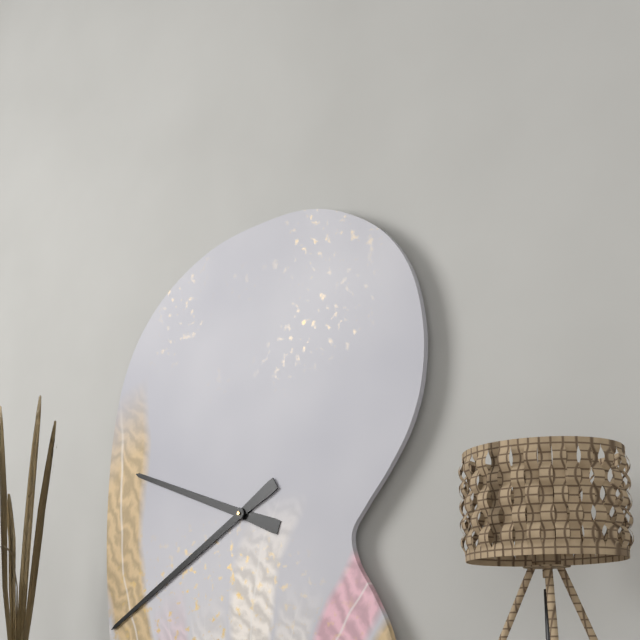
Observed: **9:40**
